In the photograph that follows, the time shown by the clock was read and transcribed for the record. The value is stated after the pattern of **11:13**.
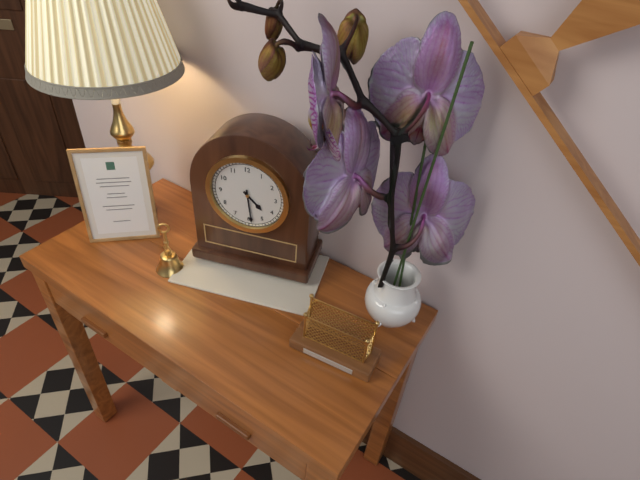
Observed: **4:29**
